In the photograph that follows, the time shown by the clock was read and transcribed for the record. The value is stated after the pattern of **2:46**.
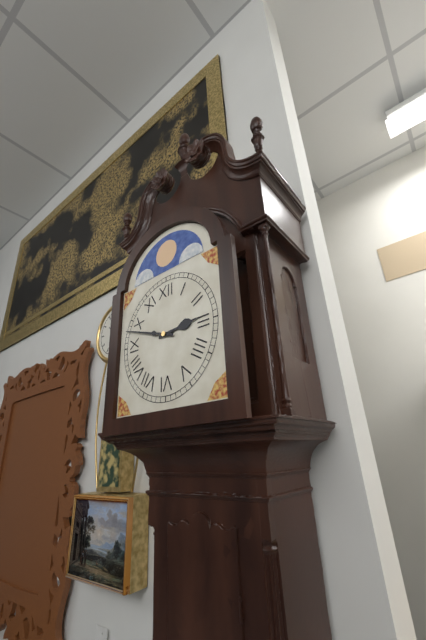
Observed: **2:48**
